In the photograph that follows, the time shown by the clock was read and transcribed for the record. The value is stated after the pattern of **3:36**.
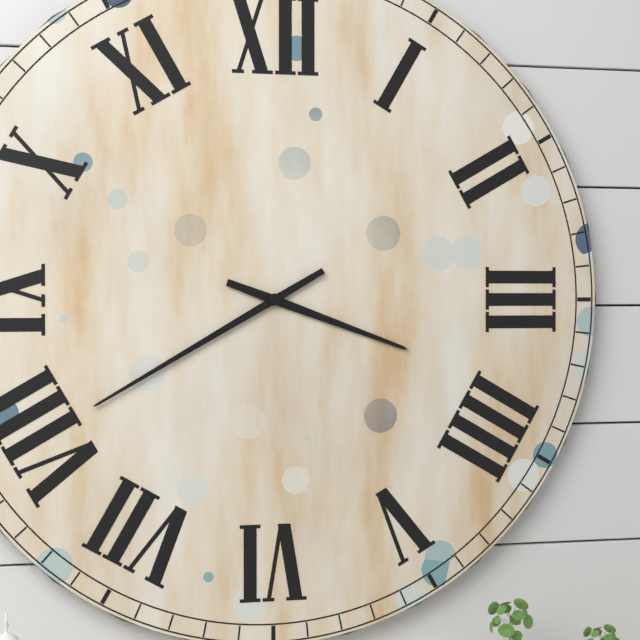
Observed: **3:40**
